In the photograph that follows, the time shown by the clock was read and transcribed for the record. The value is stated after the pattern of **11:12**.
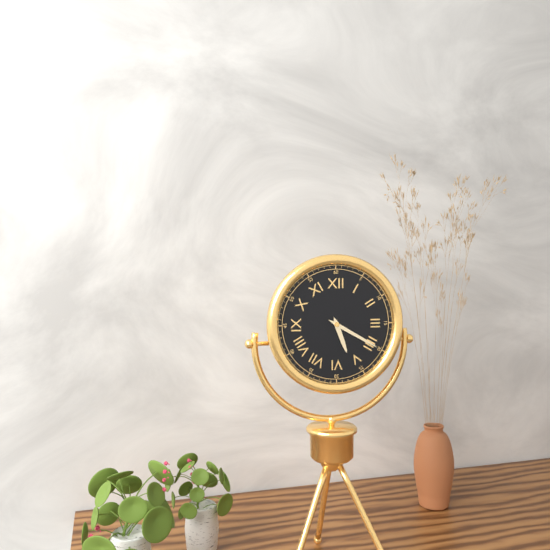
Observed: **5:20**
